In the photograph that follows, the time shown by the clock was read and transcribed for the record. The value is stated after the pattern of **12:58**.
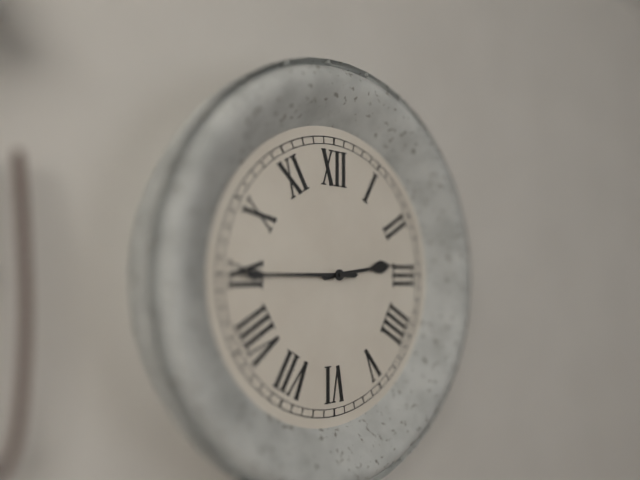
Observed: **2:45**
